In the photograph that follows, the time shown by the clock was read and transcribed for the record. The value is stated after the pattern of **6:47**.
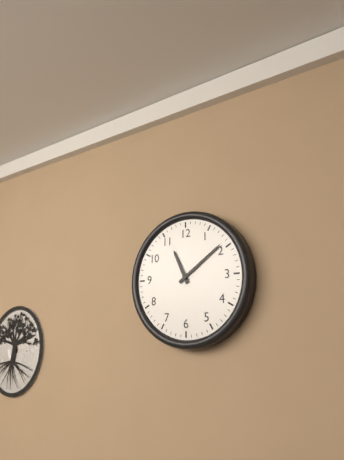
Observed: **11:09**
